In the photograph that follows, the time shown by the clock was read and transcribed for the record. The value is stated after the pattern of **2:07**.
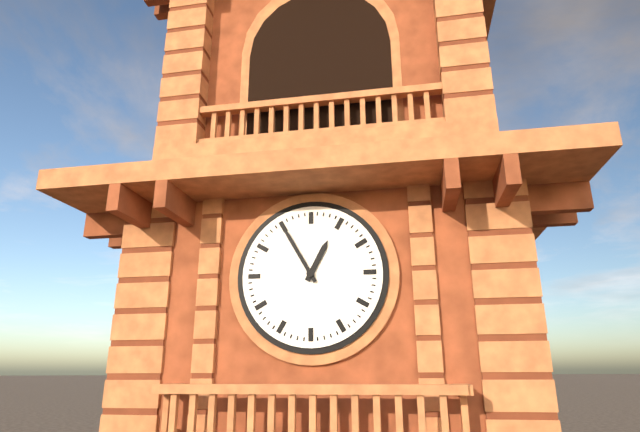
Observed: **12:55**
